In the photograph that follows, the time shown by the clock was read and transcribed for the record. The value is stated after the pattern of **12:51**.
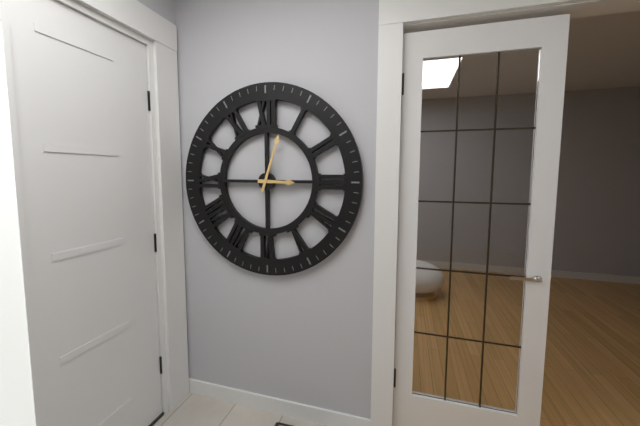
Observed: **3:03**
